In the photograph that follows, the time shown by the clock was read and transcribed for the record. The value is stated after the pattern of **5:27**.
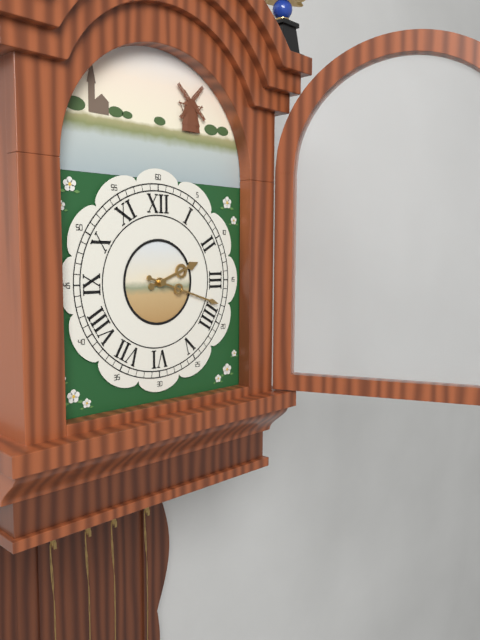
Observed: **2:18**
